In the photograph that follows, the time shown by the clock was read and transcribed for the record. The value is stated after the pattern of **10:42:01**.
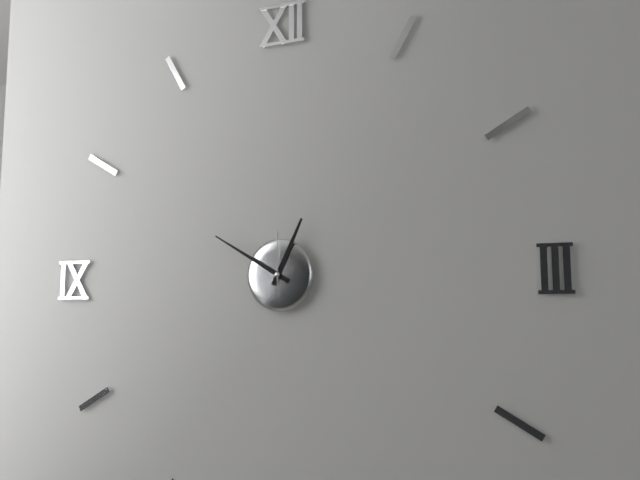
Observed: **12:50:00**
